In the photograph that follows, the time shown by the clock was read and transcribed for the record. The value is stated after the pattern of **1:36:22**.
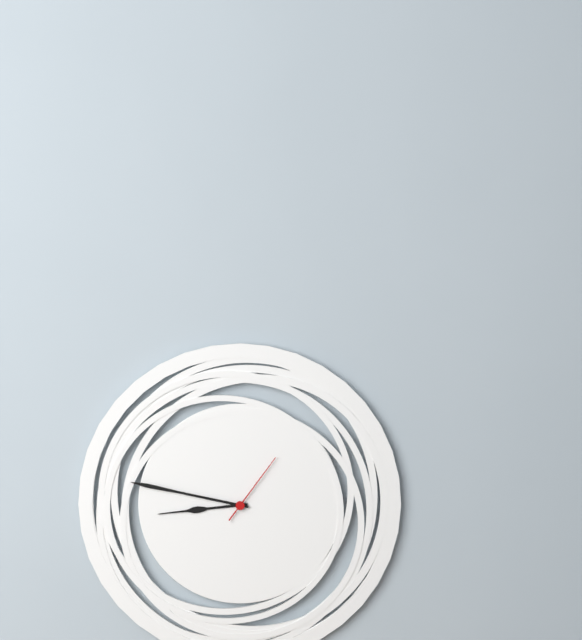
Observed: **8:47:06**
